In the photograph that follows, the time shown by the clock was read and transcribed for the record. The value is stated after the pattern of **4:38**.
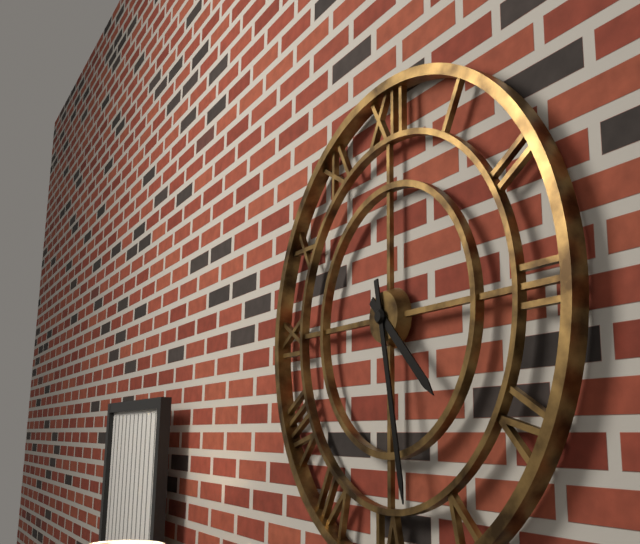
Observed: **4:28**
